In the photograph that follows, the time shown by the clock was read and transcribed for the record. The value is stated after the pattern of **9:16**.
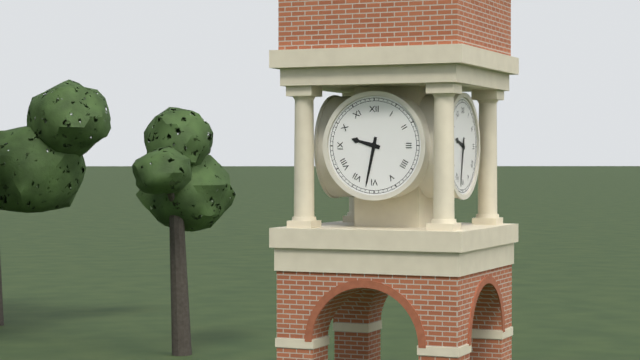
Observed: **9:32**
